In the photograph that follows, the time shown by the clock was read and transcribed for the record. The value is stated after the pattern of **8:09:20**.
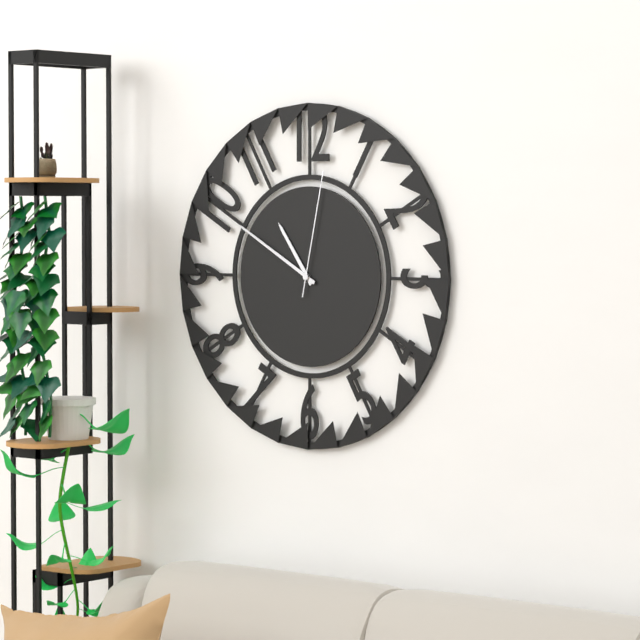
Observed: **10:50:02**
